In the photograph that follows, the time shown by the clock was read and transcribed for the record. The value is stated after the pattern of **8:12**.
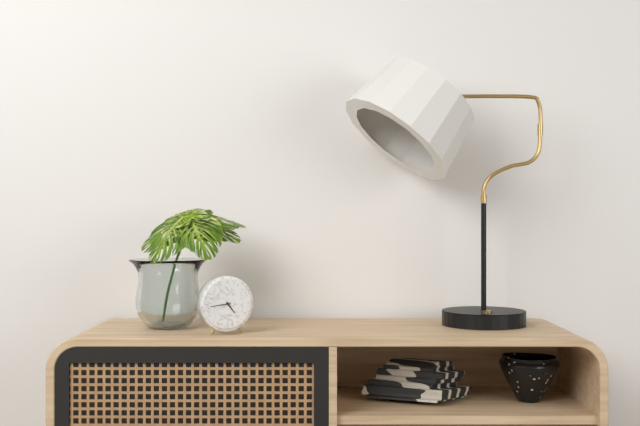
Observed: **4:44**
